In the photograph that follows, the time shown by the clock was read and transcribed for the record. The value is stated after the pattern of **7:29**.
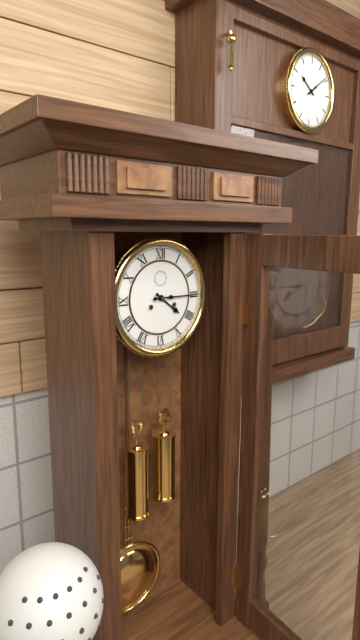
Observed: **4:15**
